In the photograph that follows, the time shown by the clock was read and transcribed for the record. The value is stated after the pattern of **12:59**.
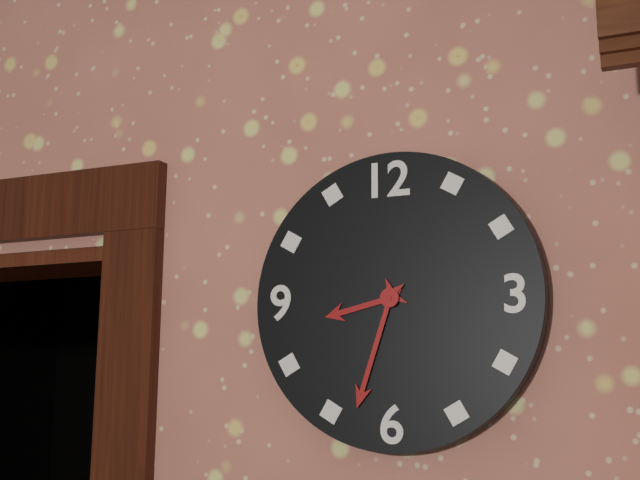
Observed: **8:33**
